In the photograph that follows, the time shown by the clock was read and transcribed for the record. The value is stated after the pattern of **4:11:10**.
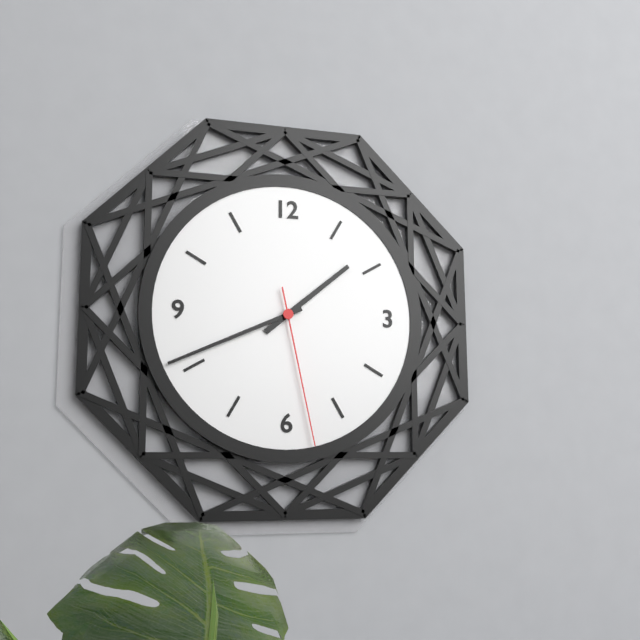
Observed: **1:41:28**
